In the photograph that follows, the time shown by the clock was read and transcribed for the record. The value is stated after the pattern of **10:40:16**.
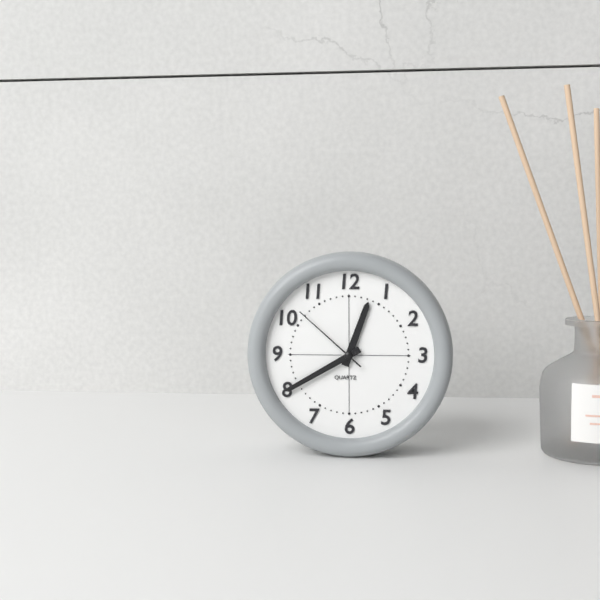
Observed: **12:40:52**
